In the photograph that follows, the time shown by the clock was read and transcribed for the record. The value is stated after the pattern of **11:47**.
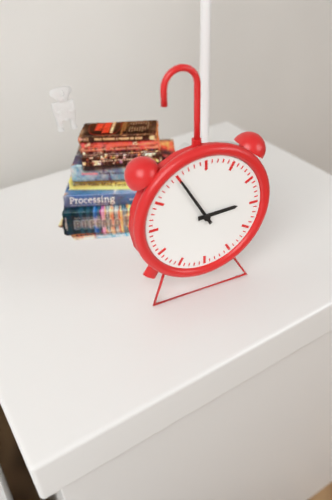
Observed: **2:55**
